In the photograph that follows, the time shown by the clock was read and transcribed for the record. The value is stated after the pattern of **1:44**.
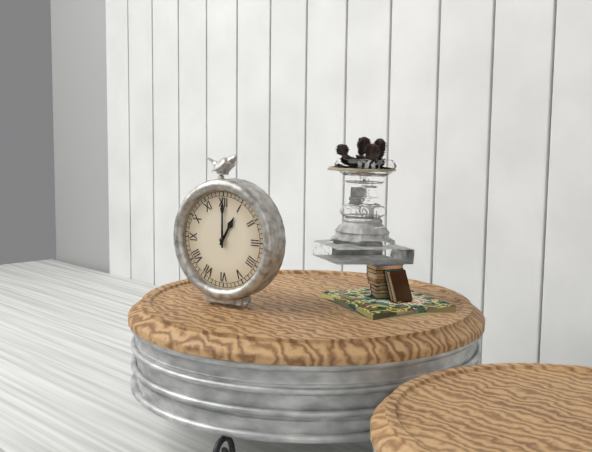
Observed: **1:00**
